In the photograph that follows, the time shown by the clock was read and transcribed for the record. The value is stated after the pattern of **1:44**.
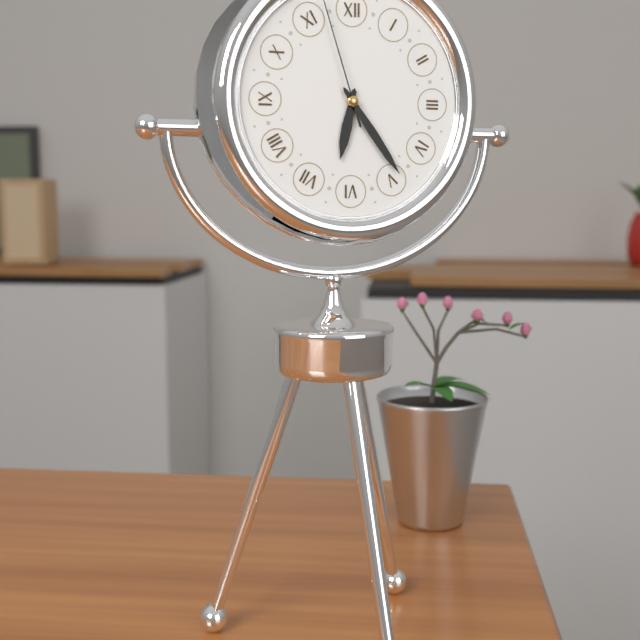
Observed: **6:24**
